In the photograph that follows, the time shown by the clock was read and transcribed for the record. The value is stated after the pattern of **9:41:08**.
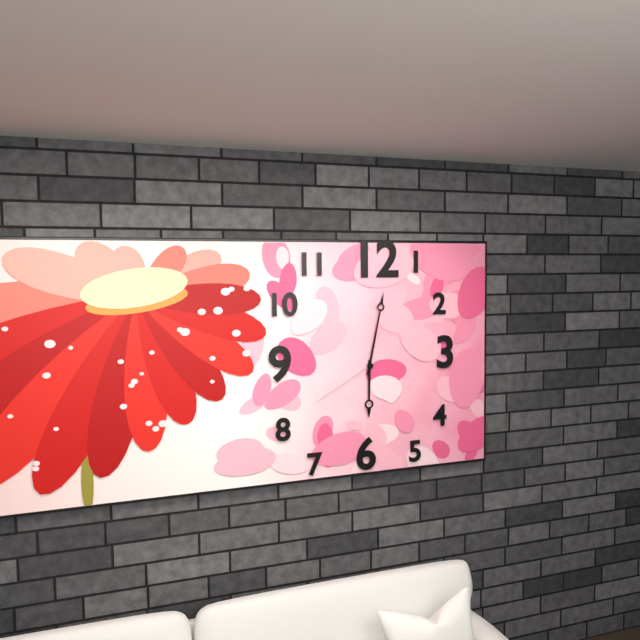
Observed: **6:02:40**
